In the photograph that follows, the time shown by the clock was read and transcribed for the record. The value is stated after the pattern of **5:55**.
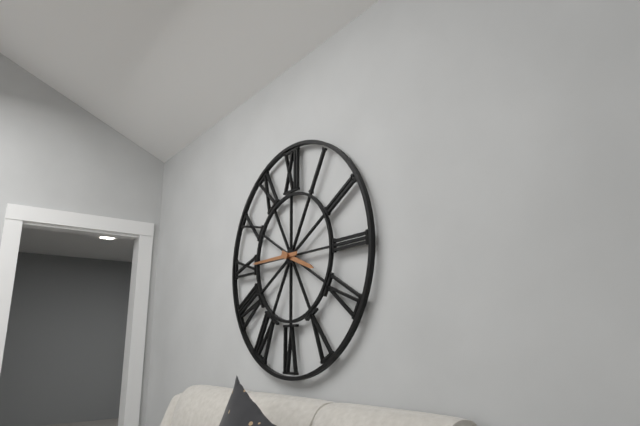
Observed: **3:45**
